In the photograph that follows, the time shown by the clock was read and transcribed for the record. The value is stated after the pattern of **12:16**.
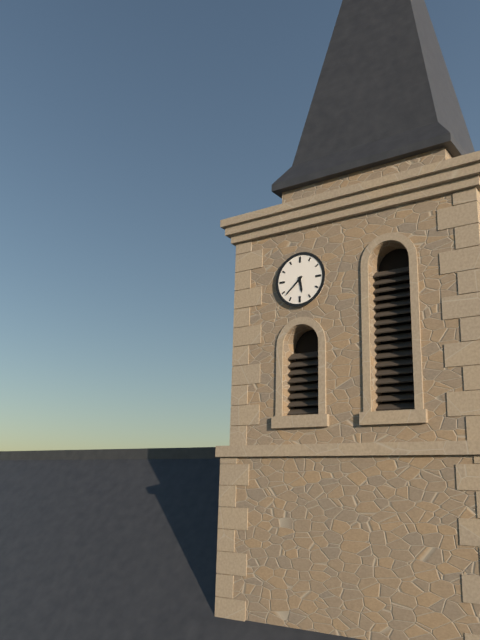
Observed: **5:38**
